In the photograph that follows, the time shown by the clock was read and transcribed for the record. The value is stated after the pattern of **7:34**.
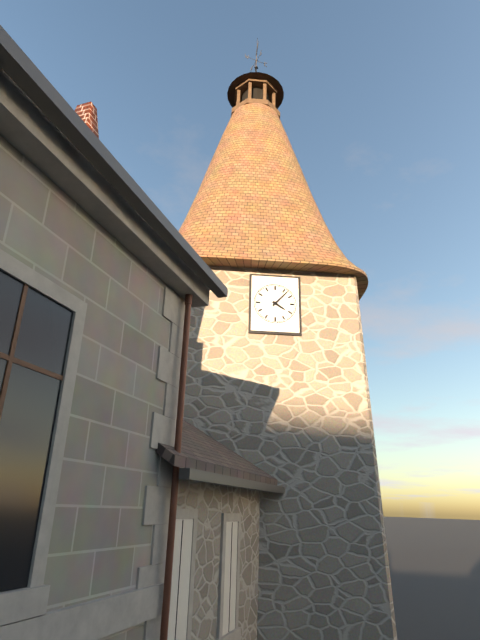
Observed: **4:07**
